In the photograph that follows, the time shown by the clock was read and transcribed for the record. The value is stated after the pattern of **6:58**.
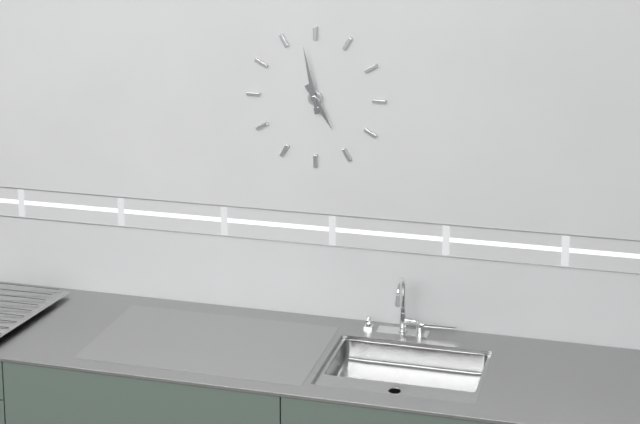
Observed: **4:58**
